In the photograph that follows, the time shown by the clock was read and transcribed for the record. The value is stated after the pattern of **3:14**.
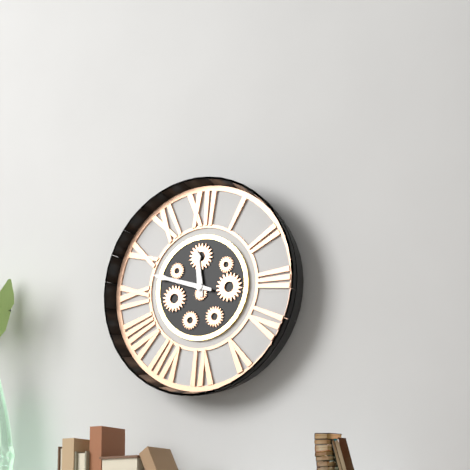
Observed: **11:48**
